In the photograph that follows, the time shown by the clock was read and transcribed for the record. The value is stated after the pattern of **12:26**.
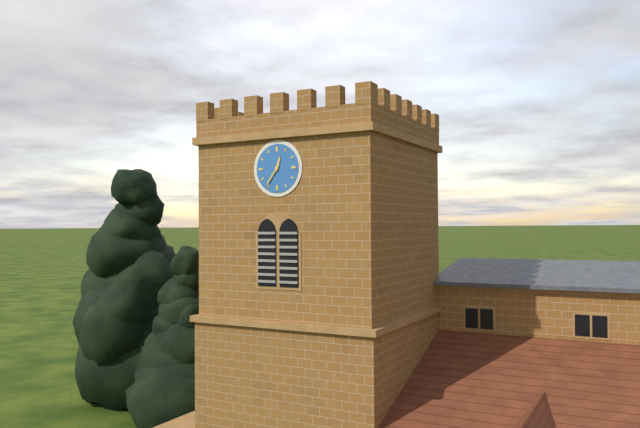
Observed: **12:36**
